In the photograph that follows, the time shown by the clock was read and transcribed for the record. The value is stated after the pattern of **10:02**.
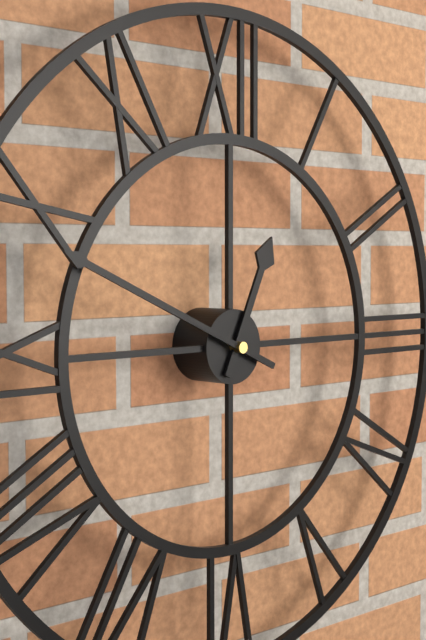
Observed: **12:49**
